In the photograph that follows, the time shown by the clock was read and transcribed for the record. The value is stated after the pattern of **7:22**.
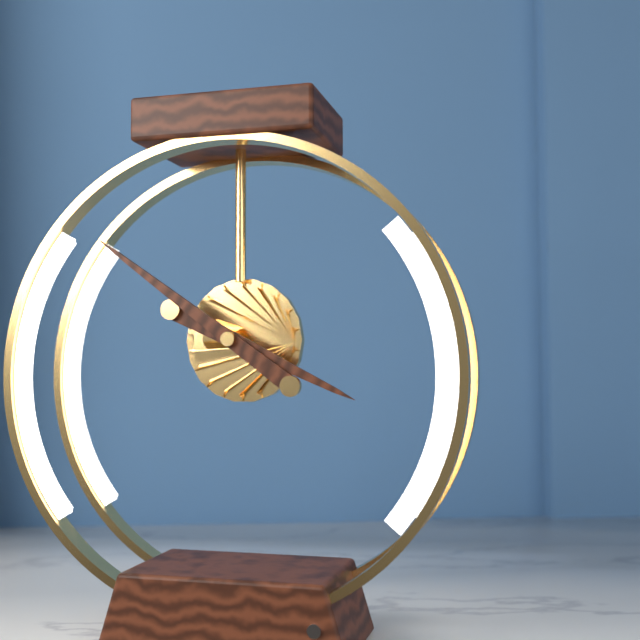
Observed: **3:51**
